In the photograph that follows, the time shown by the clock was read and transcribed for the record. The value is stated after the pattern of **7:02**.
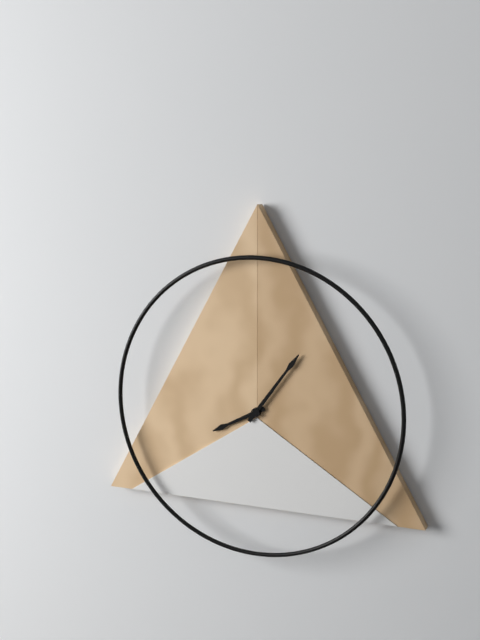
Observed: **8:06**
